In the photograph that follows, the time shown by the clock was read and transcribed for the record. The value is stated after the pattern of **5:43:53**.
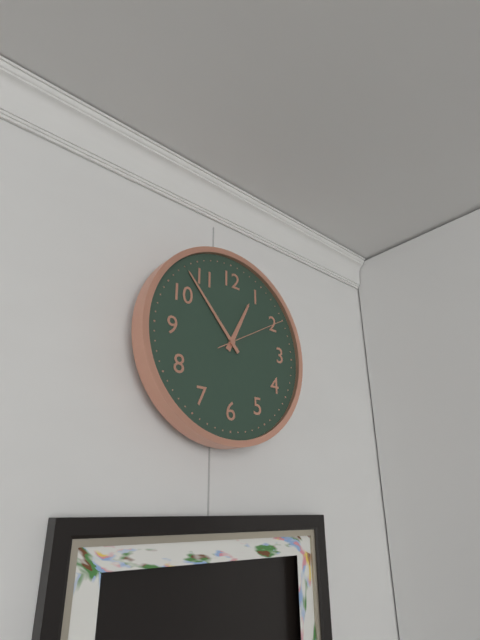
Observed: **12:53:10**
